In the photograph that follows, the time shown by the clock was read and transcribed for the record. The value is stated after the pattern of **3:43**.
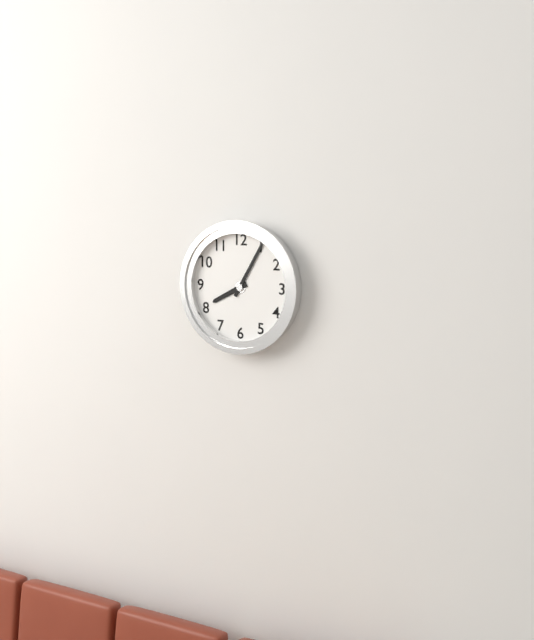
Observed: **8:05**
